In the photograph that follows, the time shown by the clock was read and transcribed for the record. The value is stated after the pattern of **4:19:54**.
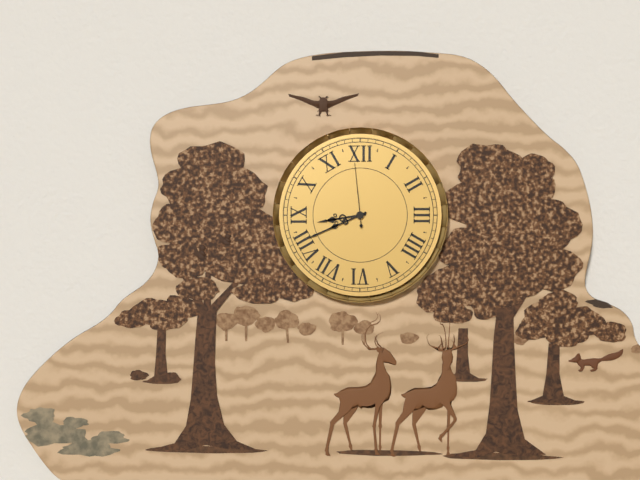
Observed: **8:41:59**
